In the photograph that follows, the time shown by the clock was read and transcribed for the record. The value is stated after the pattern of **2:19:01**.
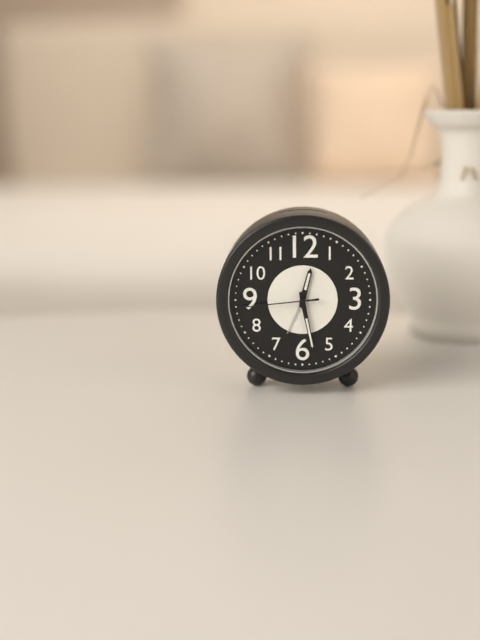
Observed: **12:28:44**
